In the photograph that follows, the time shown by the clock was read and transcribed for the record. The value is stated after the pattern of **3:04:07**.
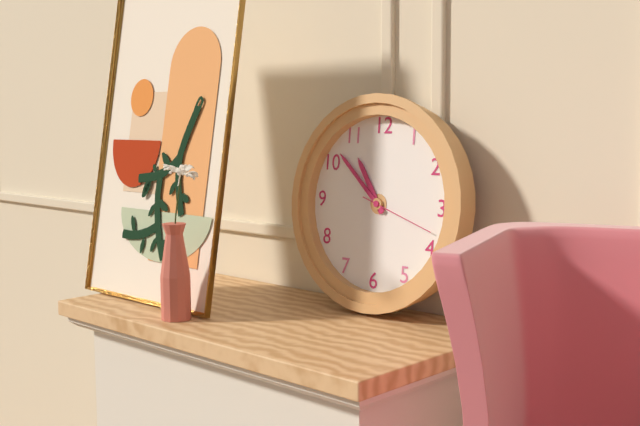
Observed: **10:52:18**
